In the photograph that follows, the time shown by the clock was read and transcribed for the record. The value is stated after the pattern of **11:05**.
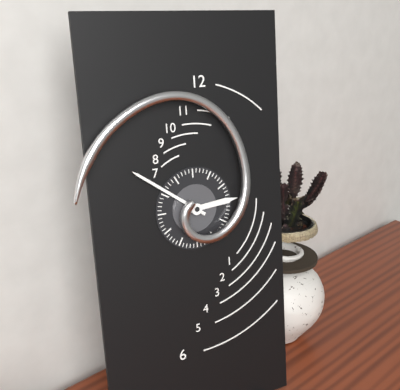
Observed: **2:51**
